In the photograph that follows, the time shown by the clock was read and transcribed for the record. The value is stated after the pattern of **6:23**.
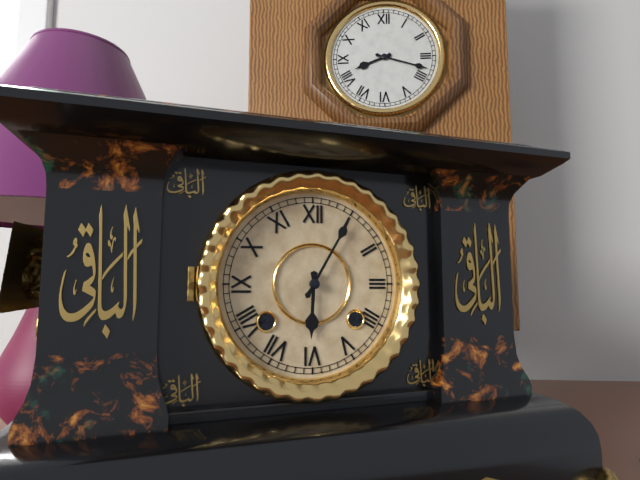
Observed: **6:05**
